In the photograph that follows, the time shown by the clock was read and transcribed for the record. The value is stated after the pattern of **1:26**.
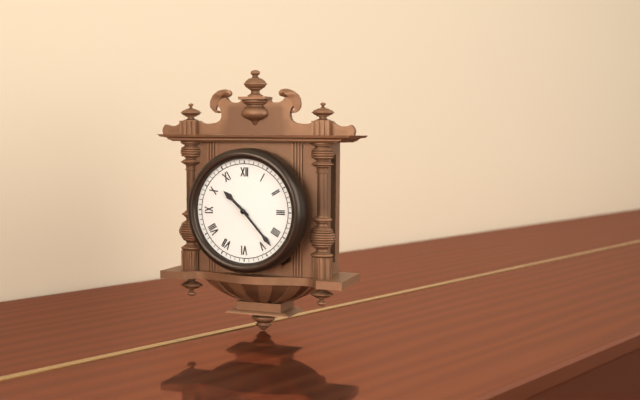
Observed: **10:23**
